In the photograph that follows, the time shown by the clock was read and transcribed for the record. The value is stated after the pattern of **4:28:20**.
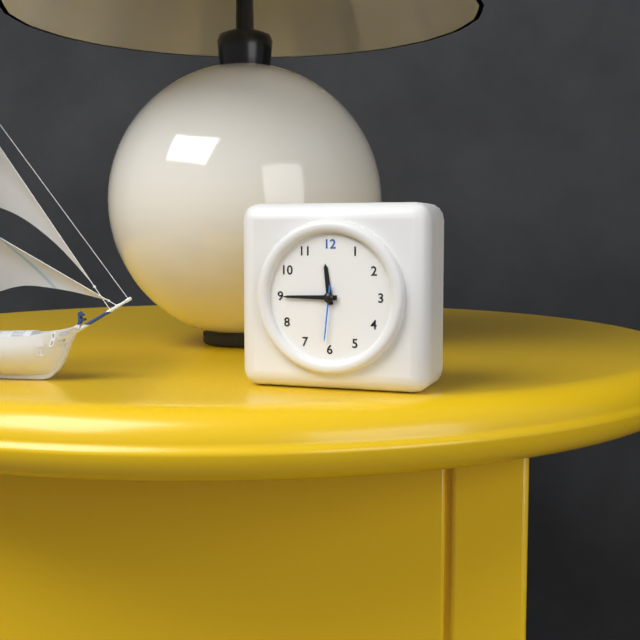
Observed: **11:45:31**
